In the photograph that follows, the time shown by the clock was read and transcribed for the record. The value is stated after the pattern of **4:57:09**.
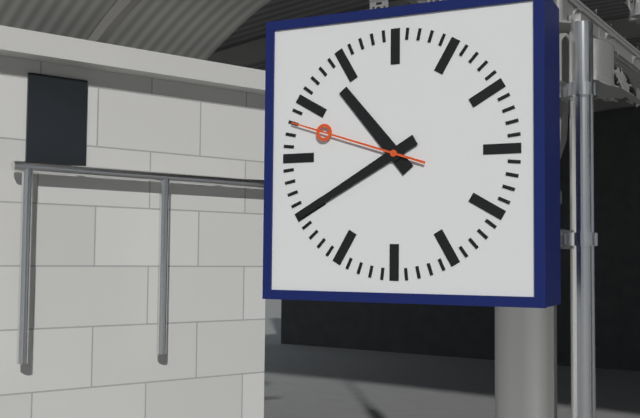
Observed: **10:40:48**
